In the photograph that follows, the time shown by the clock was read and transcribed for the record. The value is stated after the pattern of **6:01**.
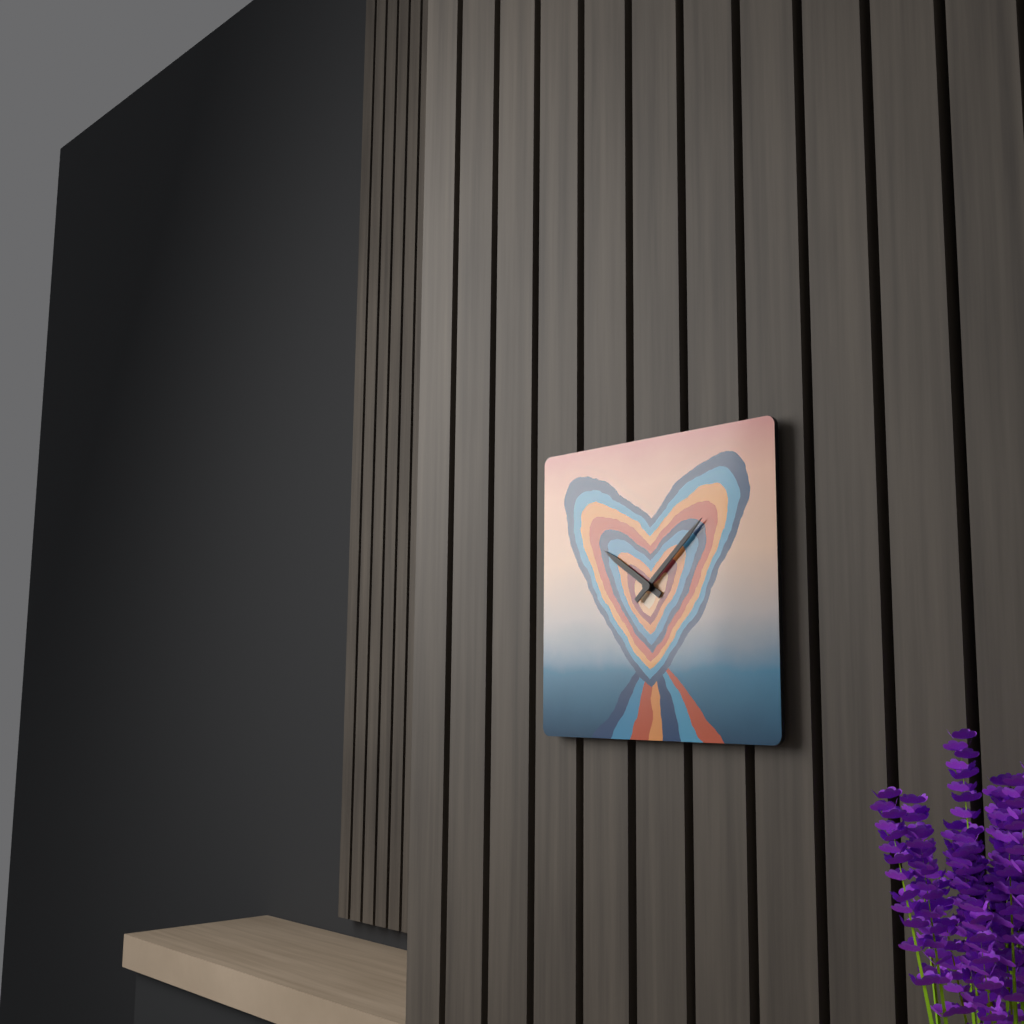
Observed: **10:08**
